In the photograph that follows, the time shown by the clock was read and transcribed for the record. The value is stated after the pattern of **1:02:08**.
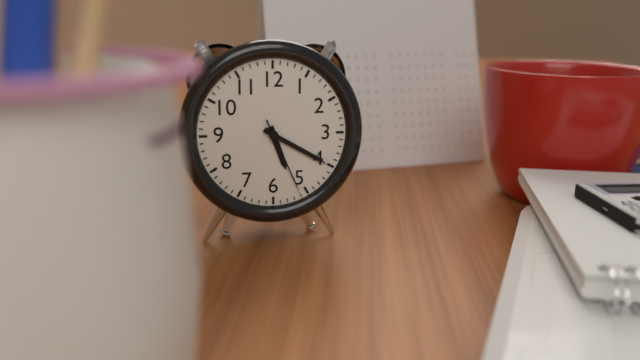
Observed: **5:20:26**
